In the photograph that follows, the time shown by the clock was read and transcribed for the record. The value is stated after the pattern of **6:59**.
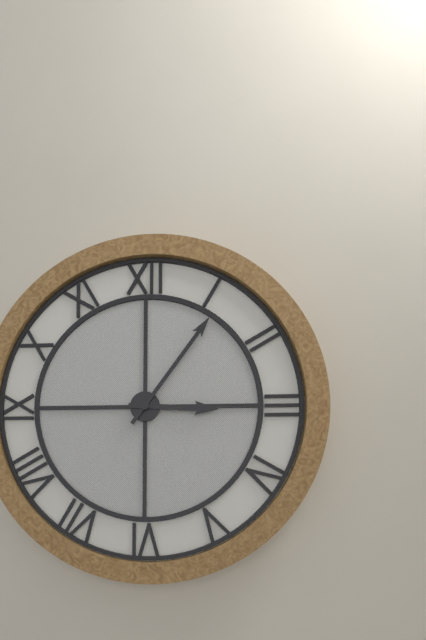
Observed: **3:06**
